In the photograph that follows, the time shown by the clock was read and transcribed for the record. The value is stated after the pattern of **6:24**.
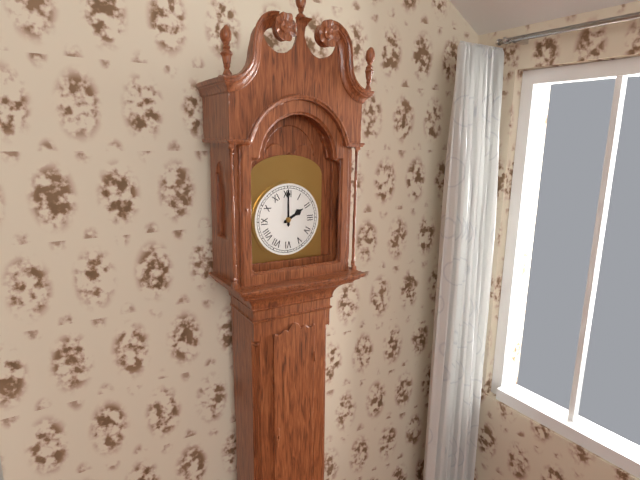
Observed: **2:00**
